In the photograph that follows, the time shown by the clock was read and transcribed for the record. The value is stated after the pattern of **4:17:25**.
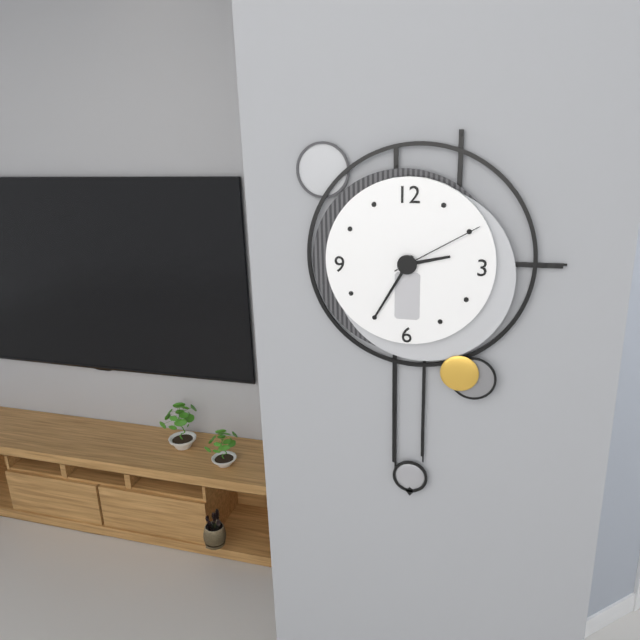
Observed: **2:35:10**
